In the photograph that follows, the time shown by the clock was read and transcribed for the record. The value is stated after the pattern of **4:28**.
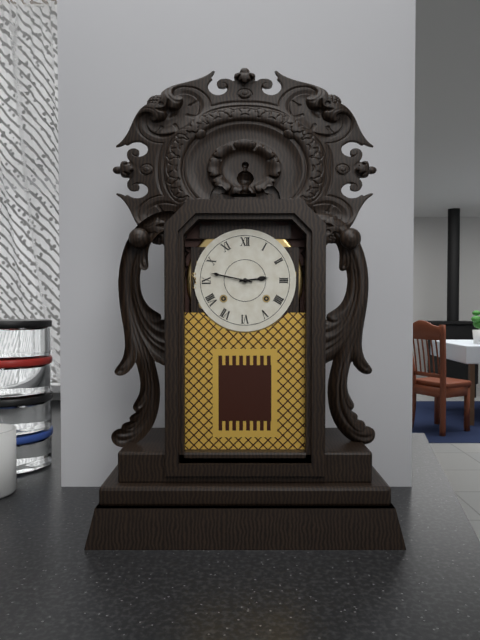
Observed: **2:47**
